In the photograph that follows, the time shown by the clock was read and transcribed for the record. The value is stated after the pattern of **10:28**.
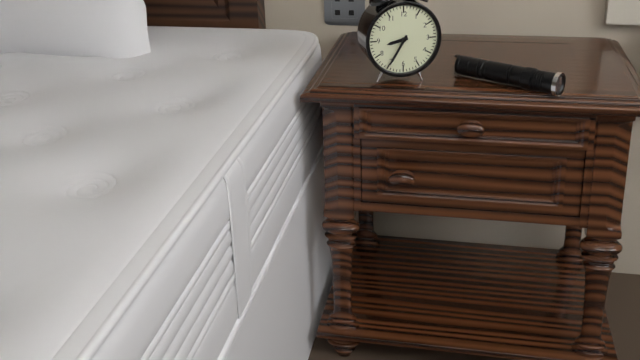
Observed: **8:35**
